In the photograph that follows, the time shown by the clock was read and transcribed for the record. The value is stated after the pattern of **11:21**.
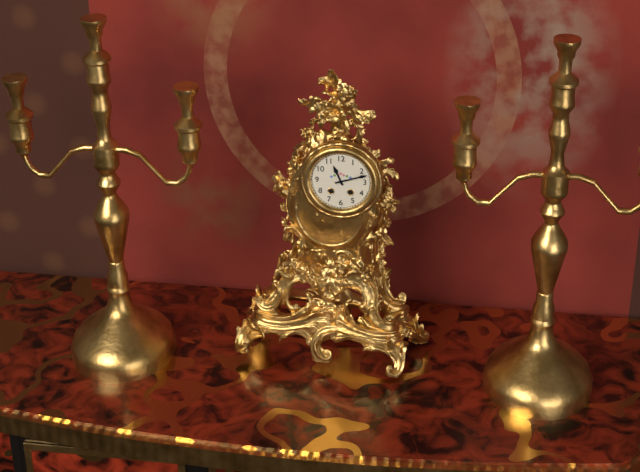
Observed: **11:12**
